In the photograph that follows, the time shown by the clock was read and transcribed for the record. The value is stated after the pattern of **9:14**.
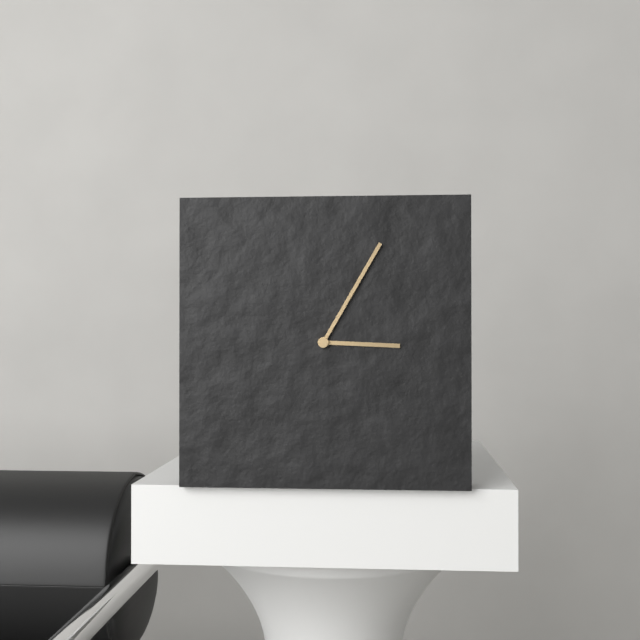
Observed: **3:05**
